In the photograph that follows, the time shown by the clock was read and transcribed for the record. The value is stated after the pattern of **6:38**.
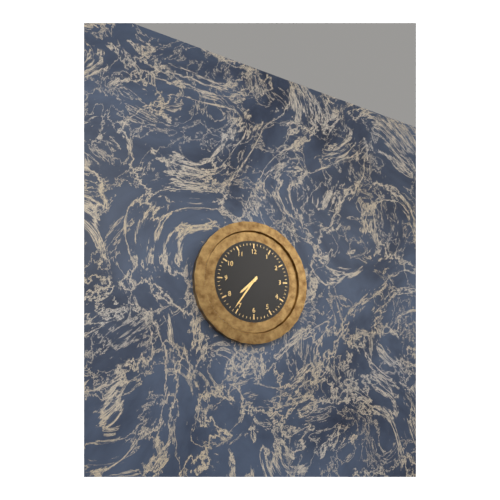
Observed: **7:36**
